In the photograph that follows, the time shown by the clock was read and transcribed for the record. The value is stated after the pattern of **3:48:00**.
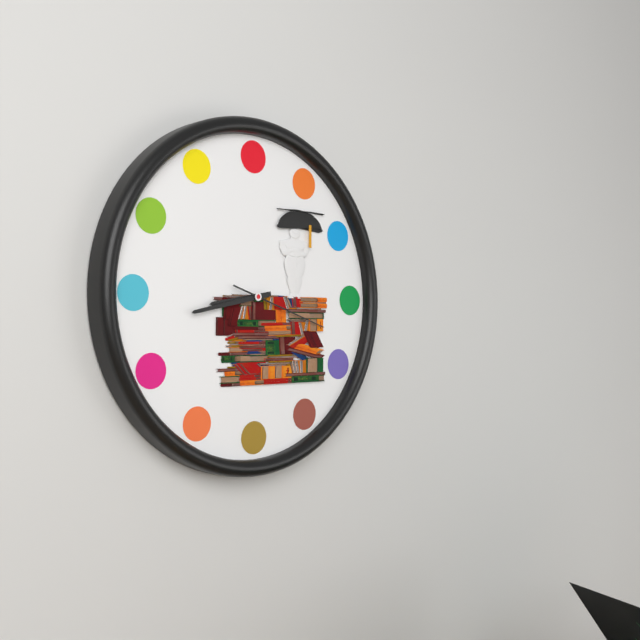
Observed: **8:43:18**
